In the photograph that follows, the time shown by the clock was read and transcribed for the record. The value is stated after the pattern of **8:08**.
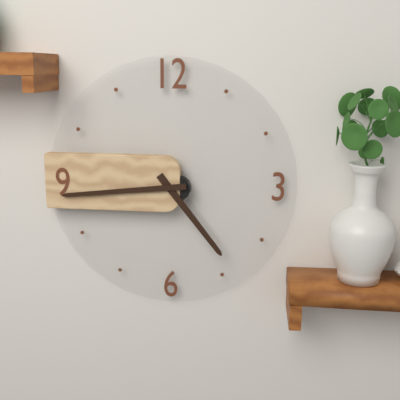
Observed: **4:44**
